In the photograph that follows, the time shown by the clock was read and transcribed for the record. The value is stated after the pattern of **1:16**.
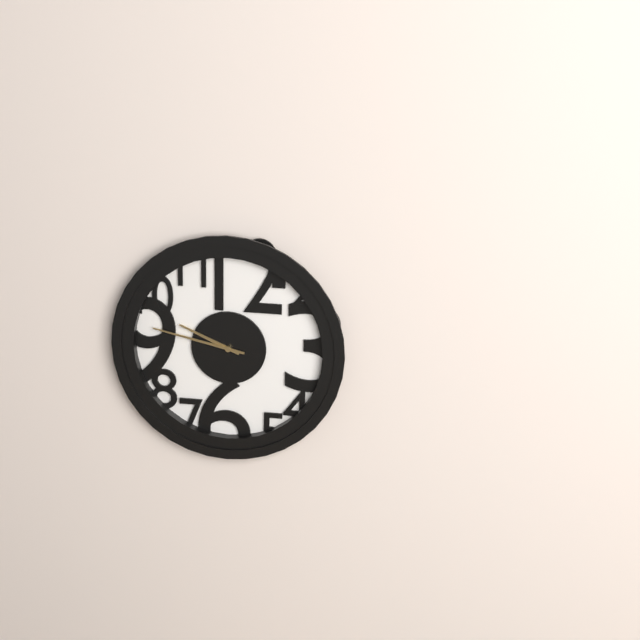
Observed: **9:47**
